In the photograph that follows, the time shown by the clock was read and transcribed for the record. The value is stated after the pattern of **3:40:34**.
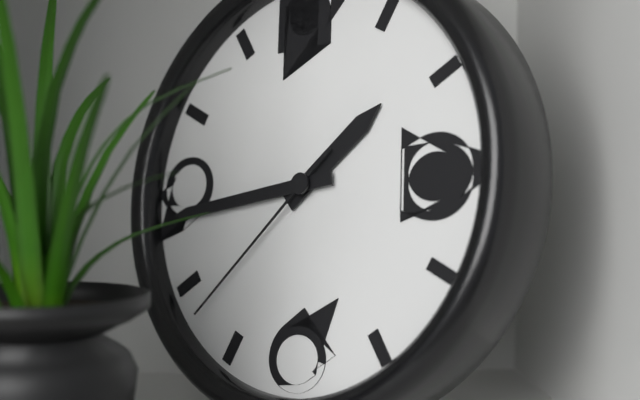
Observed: **1:44:38**
